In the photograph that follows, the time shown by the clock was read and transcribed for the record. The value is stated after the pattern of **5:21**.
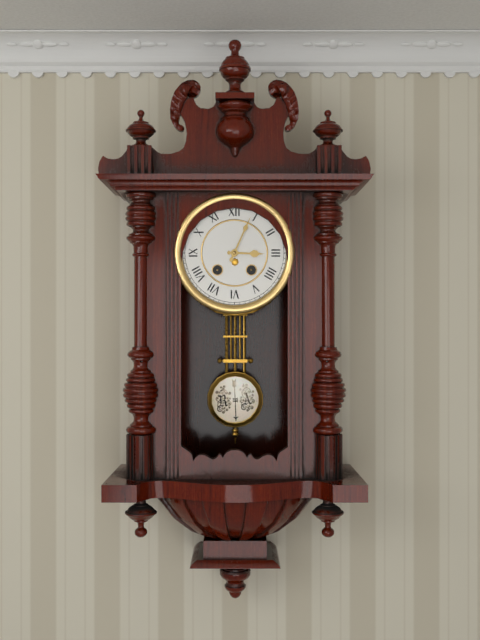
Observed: **3:04**
